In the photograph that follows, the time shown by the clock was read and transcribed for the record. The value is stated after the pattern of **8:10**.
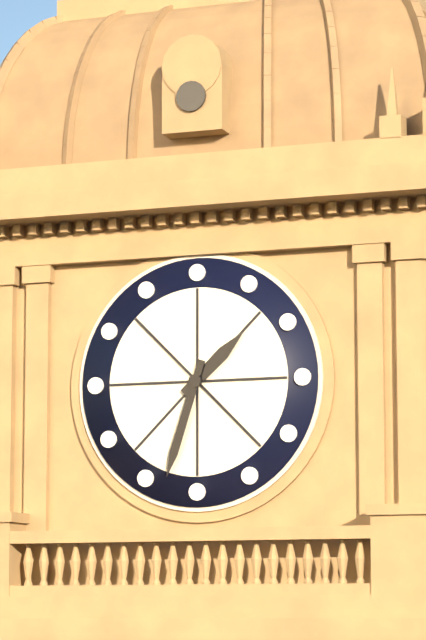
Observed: **1:33**
